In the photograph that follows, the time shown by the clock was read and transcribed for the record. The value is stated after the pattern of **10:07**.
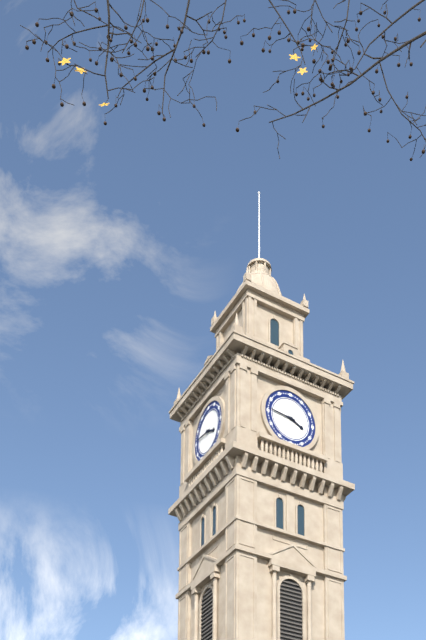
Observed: **3:46**
